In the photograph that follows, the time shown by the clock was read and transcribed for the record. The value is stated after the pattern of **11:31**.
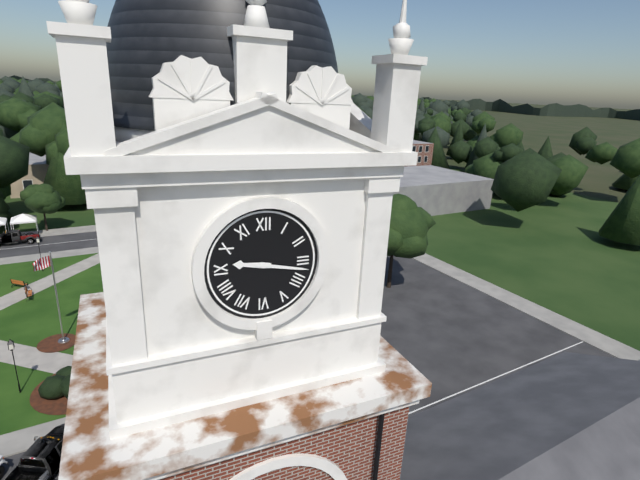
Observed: **9:17**
